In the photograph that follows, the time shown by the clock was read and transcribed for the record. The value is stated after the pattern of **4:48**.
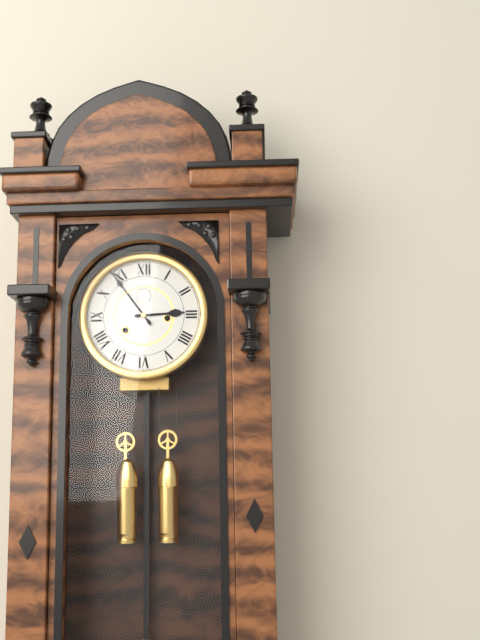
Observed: **2:54**
